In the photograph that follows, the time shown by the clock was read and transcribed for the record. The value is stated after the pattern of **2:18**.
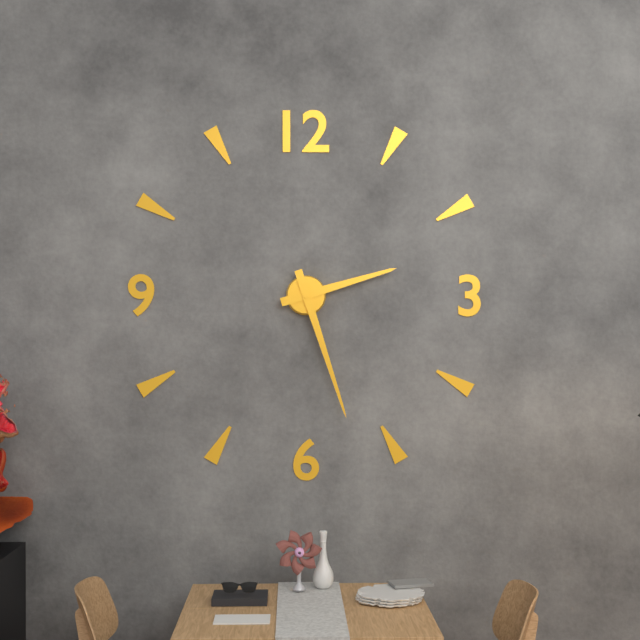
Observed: **2:27**
